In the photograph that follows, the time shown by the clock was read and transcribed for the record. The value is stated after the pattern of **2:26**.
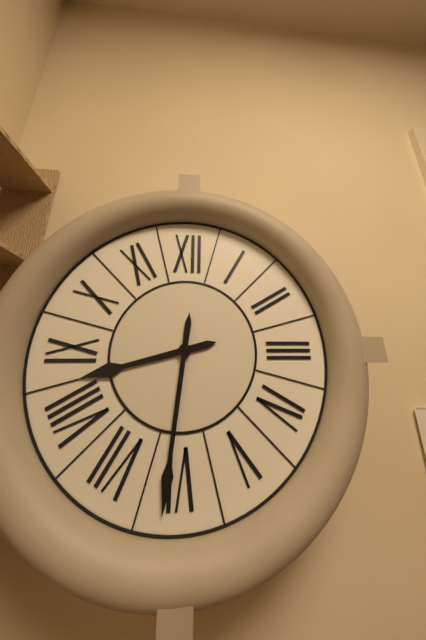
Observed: **8:31**
